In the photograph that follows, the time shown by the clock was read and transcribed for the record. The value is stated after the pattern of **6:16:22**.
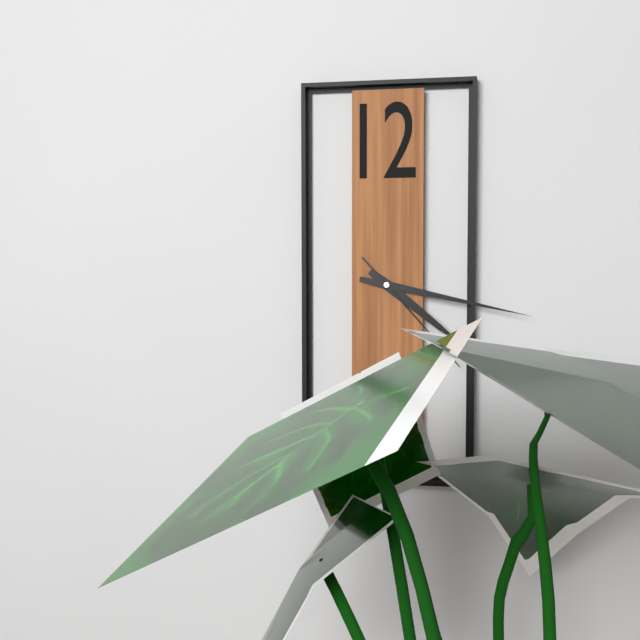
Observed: **4:17:23**
